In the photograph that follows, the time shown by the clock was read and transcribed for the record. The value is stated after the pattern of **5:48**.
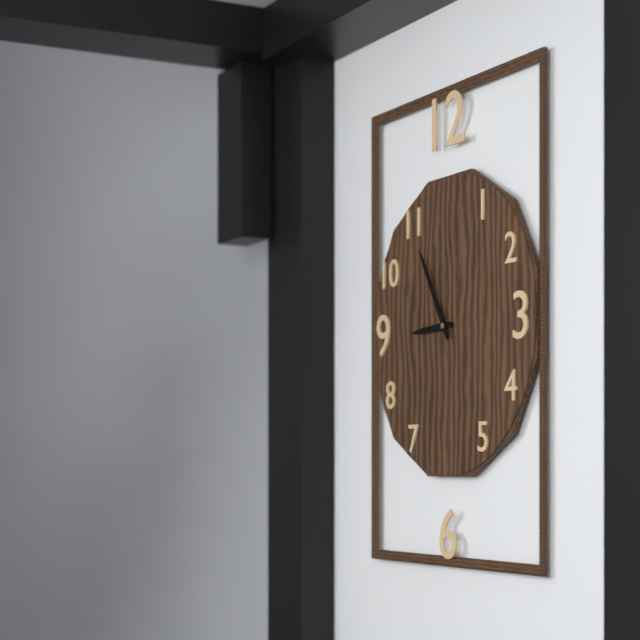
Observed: **8:55**
